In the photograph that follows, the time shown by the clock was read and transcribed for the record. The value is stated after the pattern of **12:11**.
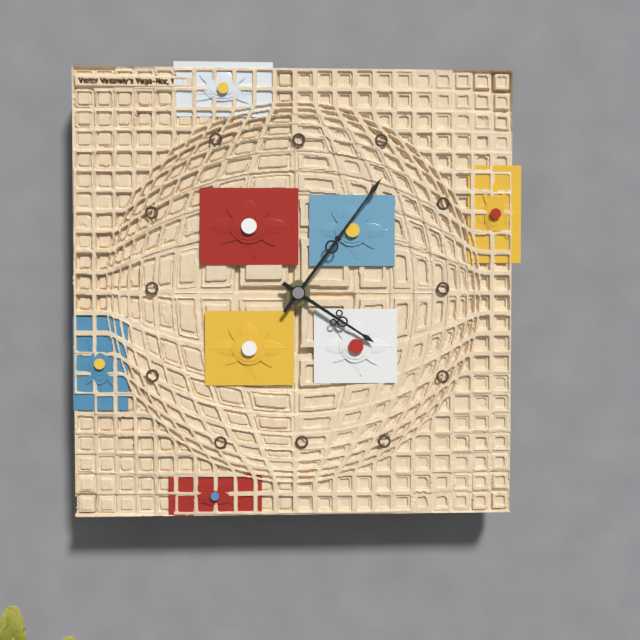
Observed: **4:06**
